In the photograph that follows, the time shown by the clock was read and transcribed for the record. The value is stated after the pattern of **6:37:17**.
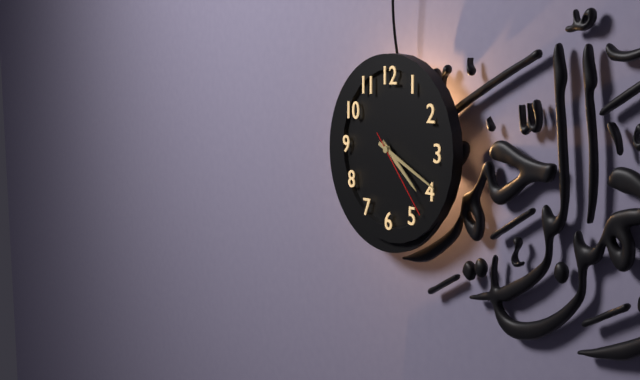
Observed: **4:19:23**
